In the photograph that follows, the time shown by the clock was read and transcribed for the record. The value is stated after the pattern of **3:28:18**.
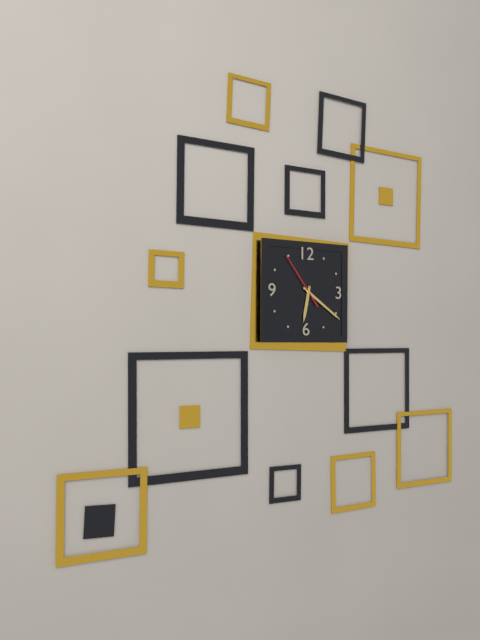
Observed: **6:21:54**
